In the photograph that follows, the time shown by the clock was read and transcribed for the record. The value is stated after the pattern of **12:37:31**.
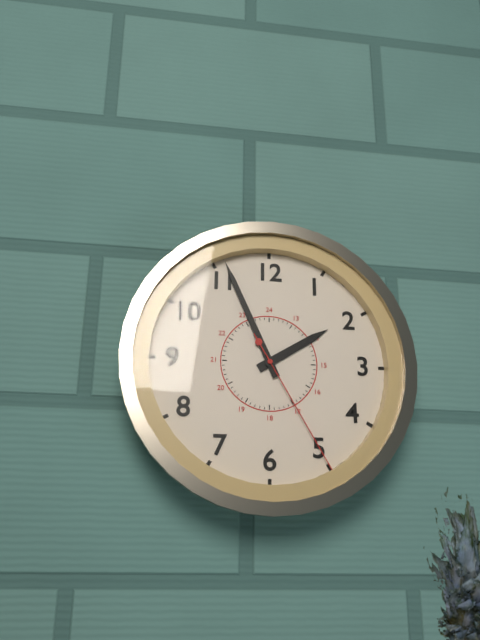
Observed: **1:56:25**
